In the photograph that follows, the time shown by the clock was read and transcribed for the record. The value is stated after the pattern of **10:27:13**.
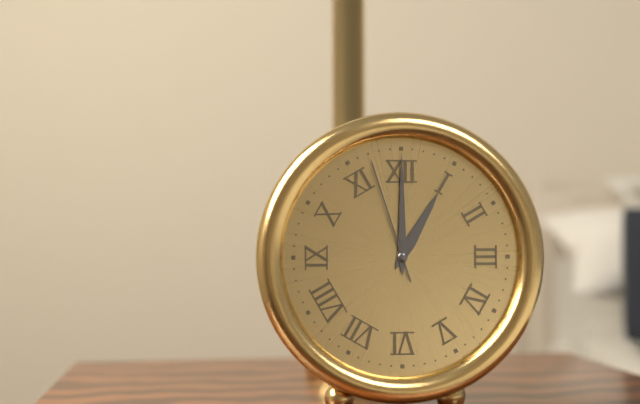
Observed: **1:00:57**
